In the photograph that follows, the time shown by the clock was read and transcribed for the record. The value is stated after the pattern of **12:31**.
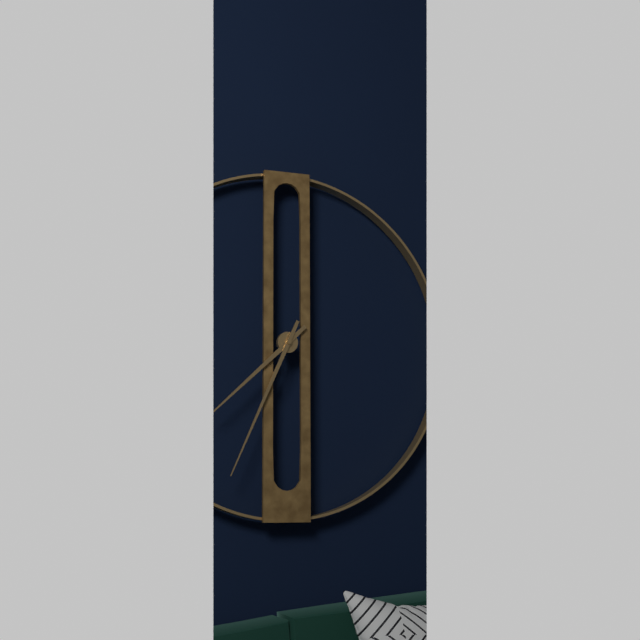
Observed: **7:34**
